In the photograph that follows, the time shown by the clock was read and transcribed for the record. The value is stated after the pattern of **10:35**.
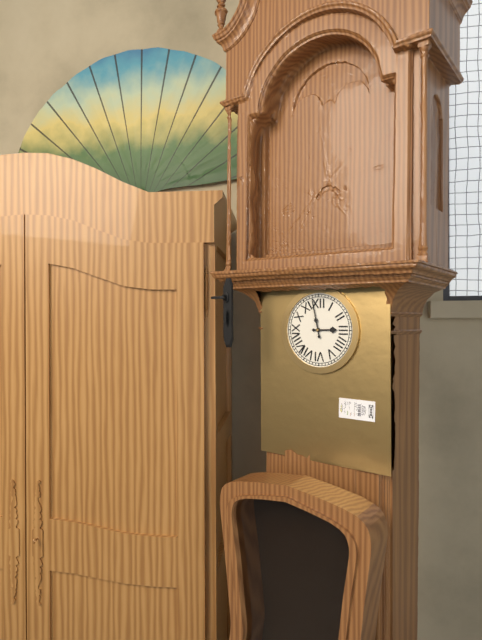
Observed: **2:58**
